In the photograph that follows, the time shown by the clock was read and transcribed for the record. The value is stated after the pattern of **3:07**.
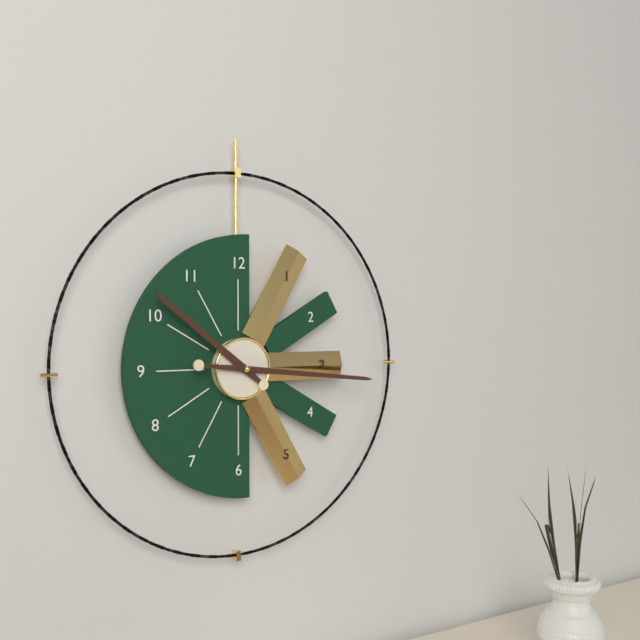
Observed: **10:16**
